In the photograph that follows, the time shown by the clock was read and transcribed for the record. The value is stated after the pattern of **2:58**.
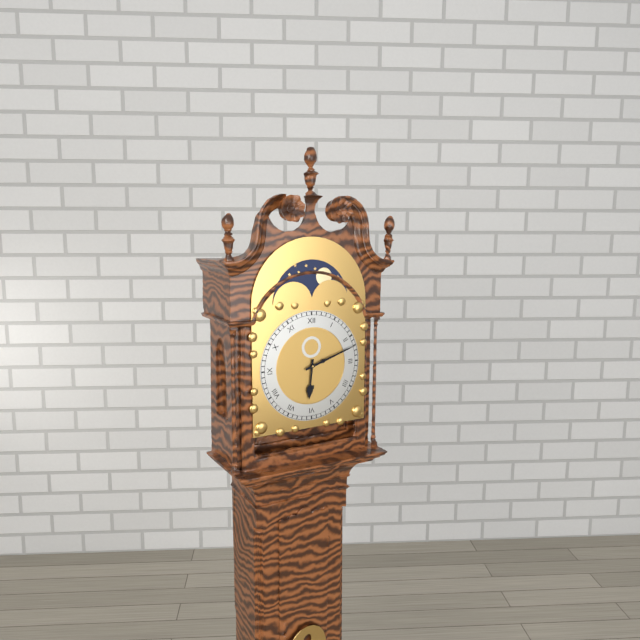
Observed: **6:12**
